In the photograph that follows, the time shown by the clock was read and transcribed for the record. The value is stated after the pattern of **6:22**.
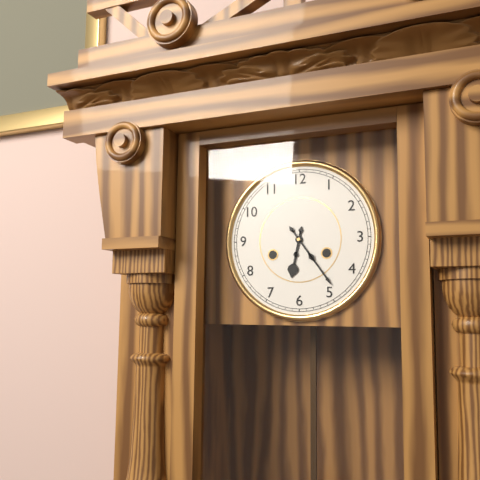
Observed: **6:24**
